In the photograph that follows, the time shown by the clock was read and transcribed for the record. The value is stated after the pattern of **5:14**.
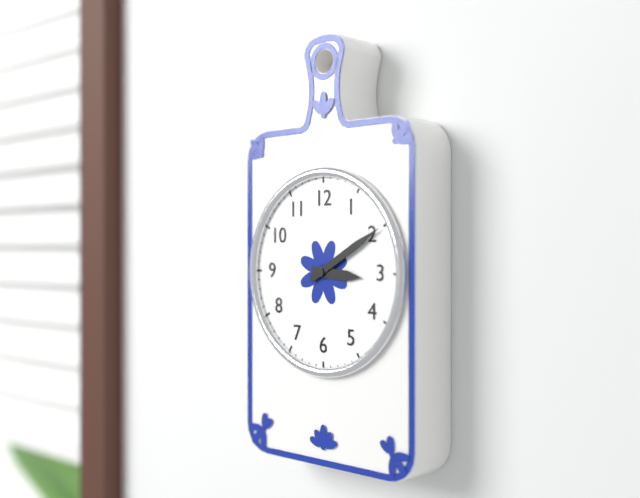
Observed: **3:10**
